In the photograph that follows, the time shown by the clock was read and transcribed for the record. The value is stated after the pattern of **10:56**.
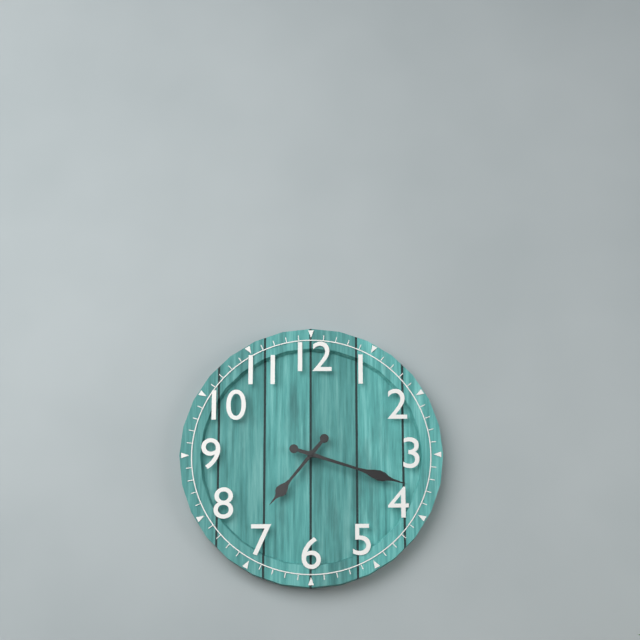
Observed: **7:18**
